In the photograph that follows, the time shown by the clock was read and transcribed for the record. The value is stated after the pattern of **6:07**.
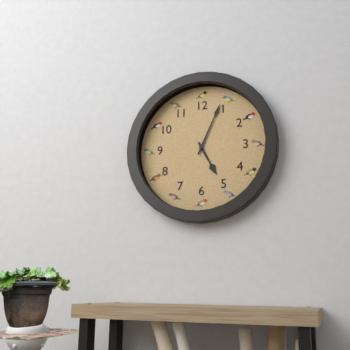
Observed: **5:04**
